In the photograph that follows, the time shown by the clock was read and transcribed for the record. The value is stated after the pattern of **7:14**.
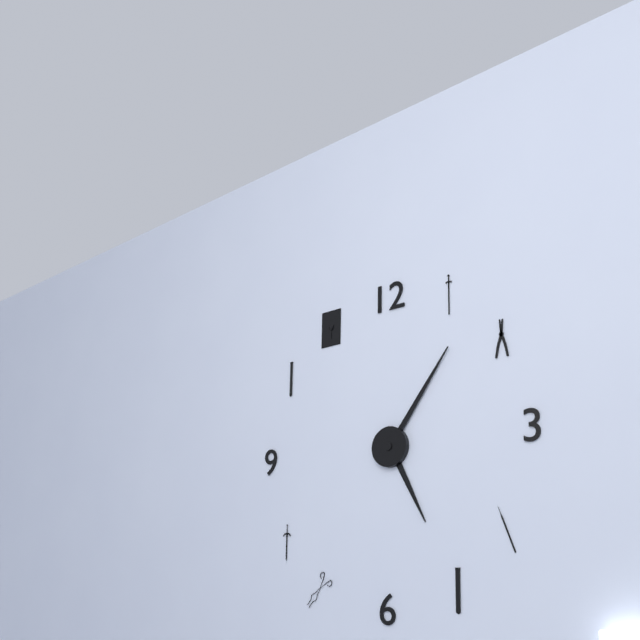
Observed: **5:06**
